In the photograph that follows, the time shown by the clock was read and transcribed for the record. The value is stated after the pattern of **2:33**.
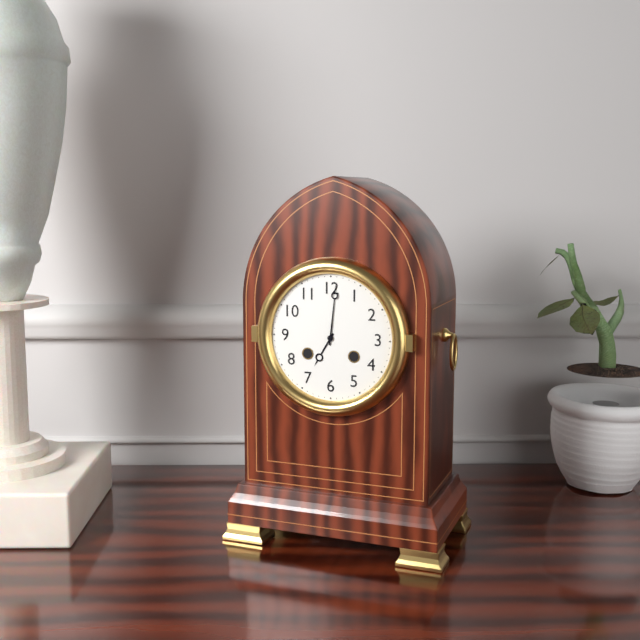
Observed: **7:01**
